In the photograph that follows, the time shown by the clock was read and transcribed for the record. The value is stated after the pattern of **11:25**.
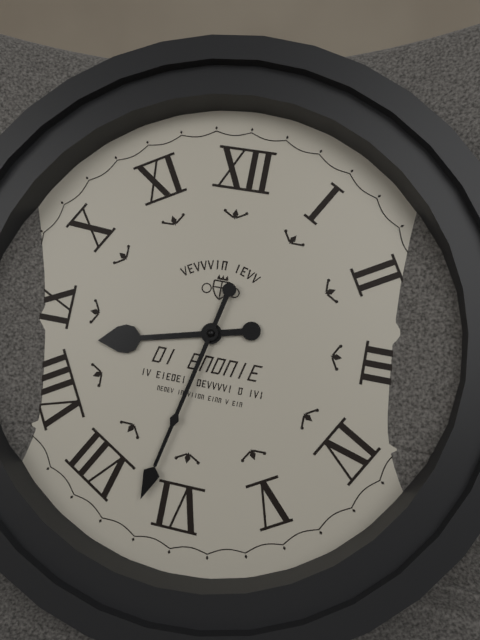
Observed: **8:32**
